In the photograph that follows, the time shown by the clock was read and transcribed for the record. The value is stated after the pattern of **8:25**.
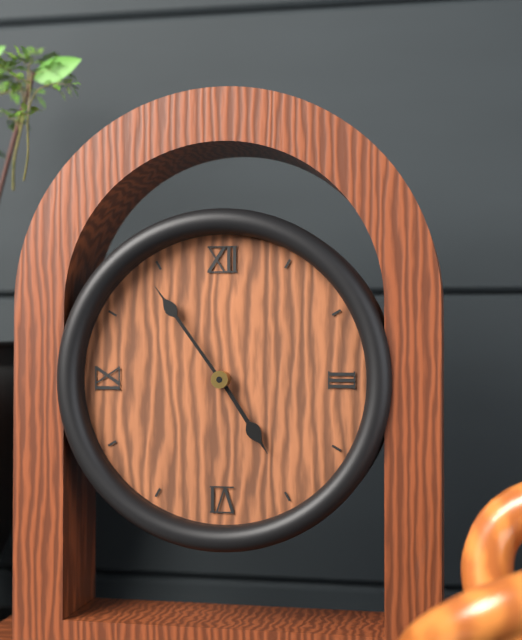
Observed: **4:54**
